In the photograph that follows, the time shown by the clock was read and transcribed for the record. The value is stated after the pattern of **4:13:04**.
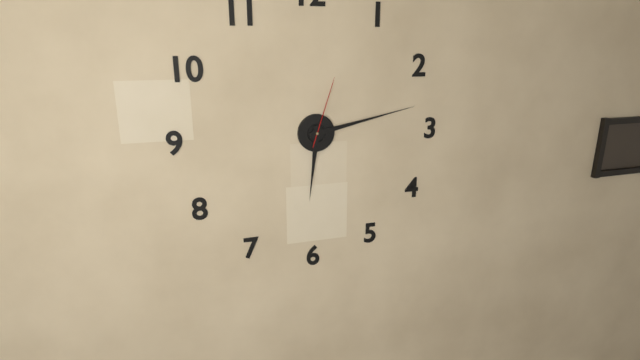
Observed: **6:13:03**
